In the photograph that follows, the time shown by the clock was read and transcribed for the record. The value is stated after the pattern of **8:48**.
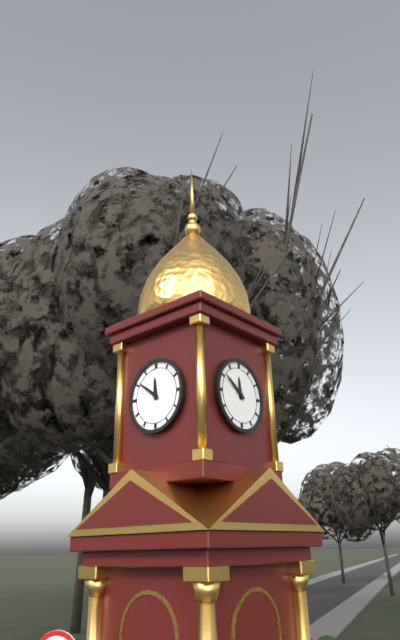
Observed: **11:51**
